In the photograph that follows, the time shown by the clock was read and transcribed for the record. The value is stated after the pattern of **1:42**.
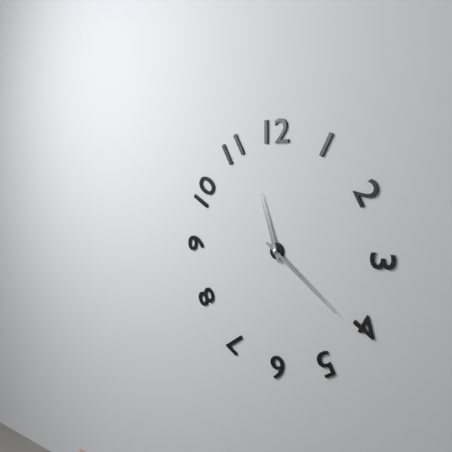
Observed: **11:21**
